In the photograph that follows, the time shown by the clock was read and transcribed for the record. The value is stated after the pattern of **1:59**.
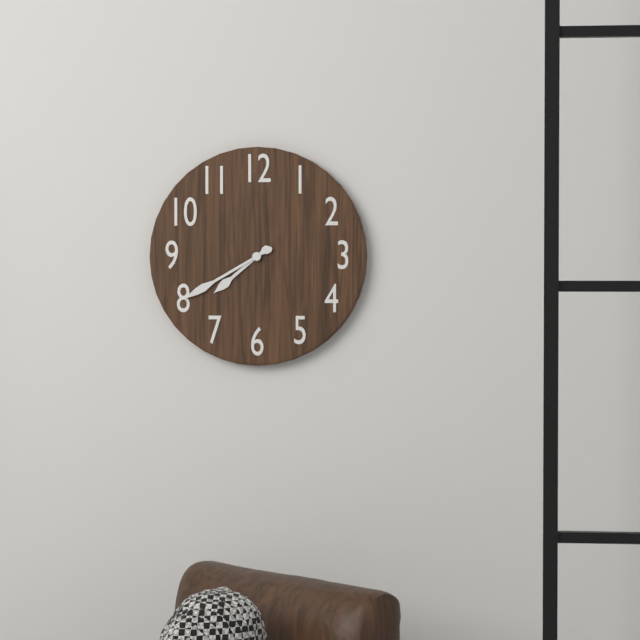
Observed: **7:40**
